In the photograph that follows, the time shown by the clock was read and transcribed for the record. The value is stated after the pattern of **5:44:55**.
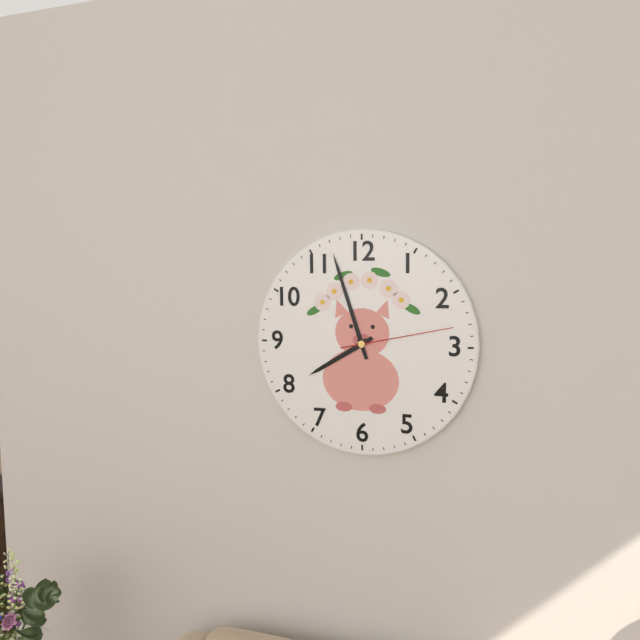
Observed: **7:57:13**
